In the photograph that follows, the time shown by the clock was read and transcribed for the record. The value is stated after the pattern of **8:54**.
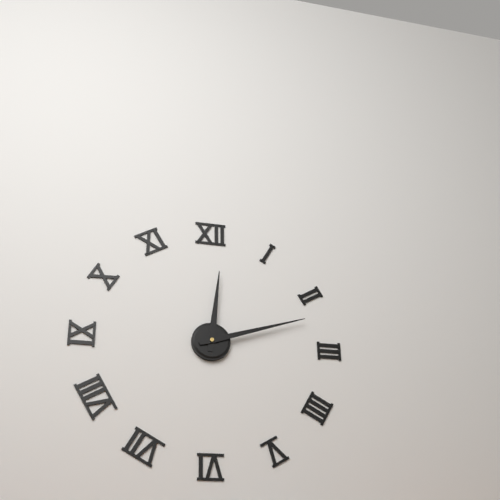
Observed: **12:12**
